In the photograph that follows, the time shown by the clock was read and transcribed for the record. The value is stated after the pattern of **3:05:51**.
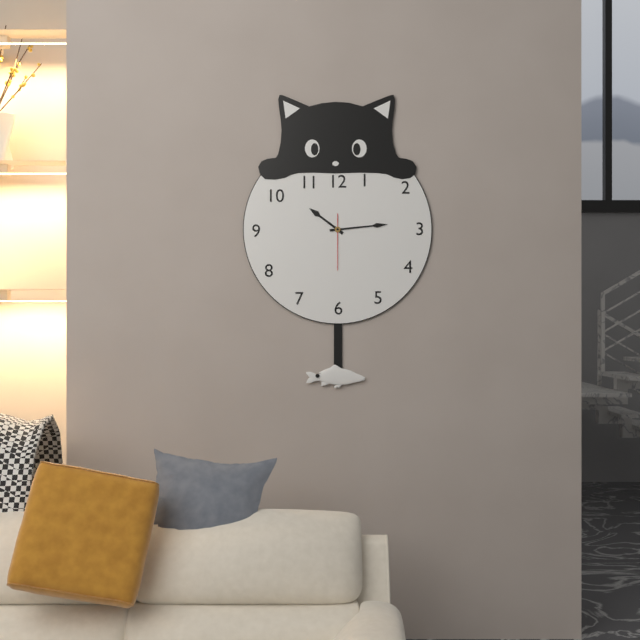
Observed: **10:14:30**
